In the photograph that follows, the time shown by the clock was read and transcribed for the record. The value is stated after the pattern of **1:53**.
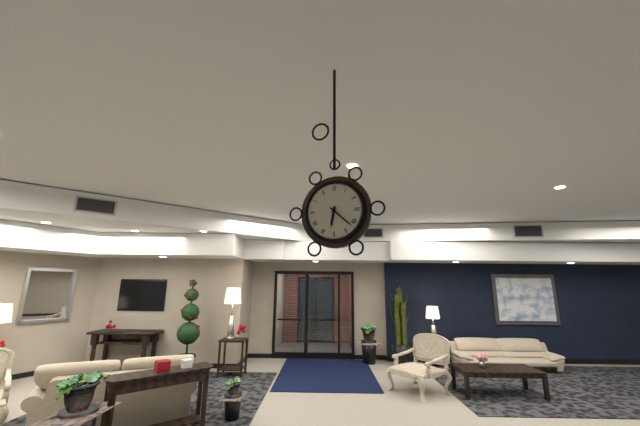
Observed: **6:22**
